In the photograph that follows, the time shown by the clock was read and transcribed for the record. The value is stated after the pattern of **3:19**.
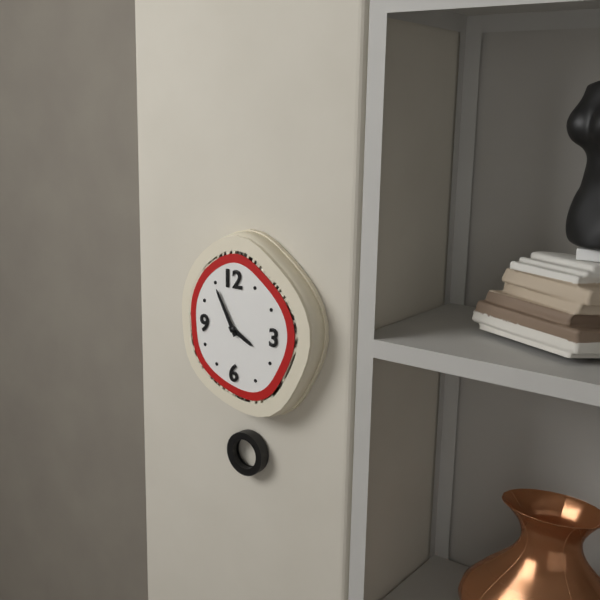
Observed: **3:55**
